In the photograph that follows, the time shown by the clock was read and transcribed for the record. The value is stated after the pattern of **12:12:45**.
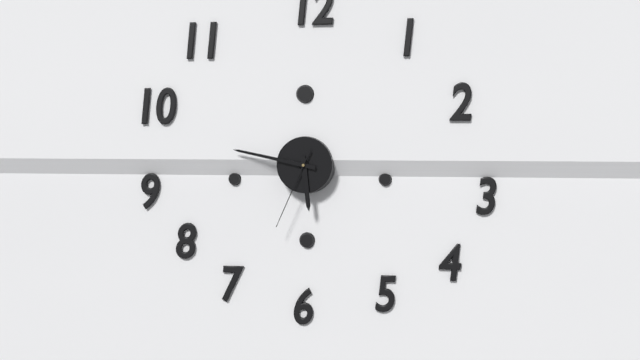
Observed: **5:47:34**
